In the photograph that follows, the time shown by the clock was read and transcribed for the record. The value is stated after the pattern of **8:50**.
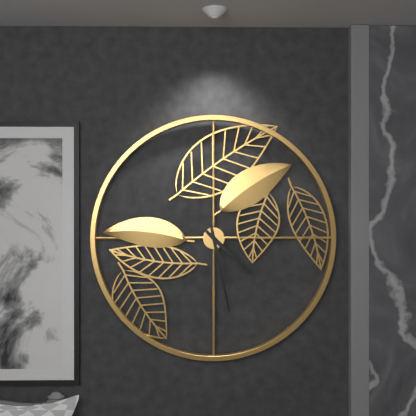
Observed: **4:28**
